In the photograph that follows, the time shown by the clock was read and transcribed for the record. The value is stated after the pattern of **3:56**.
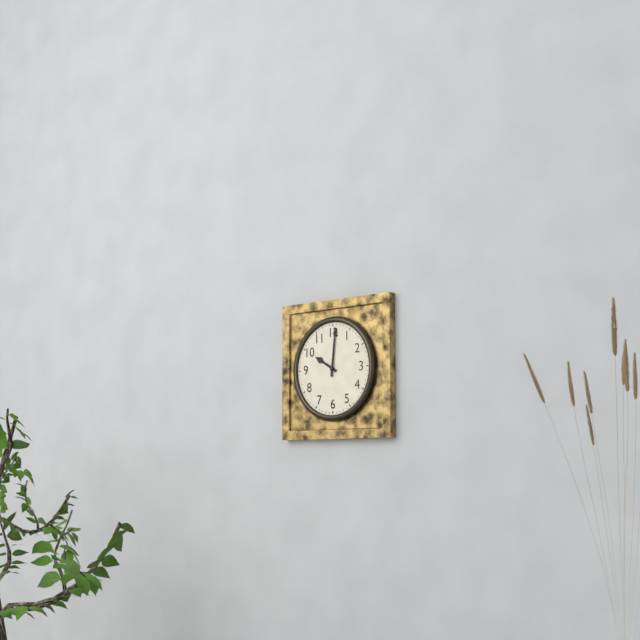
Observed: **10:01**
